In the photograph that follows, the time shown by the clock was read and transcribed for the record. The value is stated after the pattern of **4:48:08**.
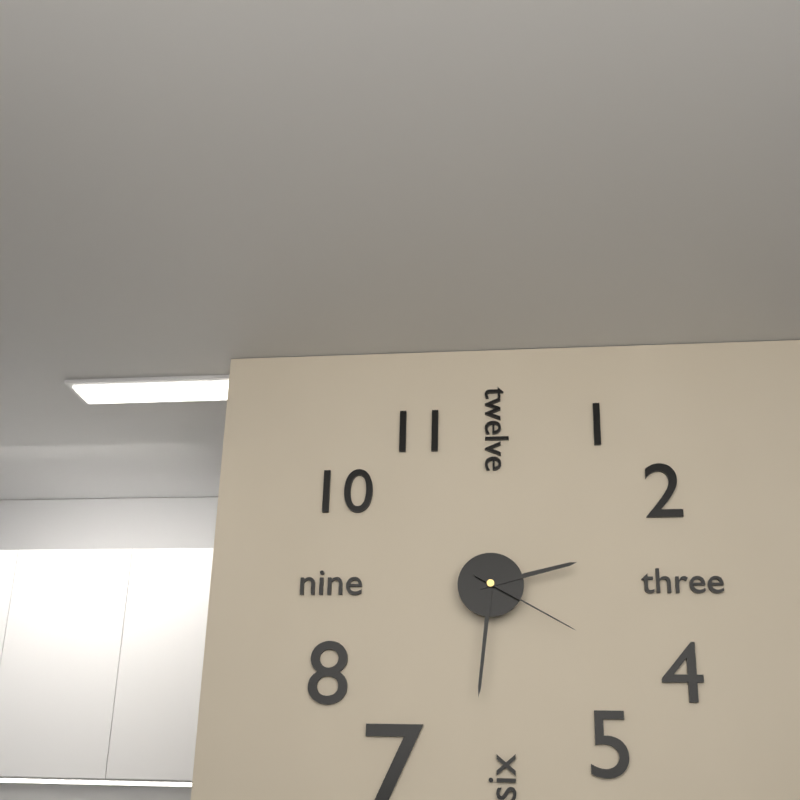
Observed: **2:31:20**
